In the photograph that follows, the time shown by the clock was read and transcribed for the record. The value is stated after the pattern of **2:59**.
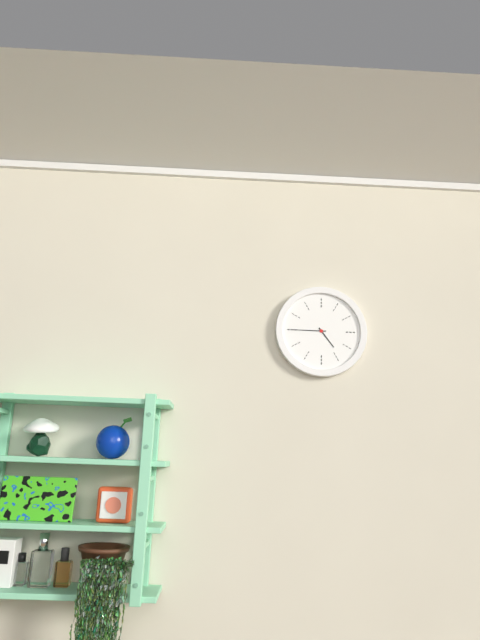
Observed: **4:45**
